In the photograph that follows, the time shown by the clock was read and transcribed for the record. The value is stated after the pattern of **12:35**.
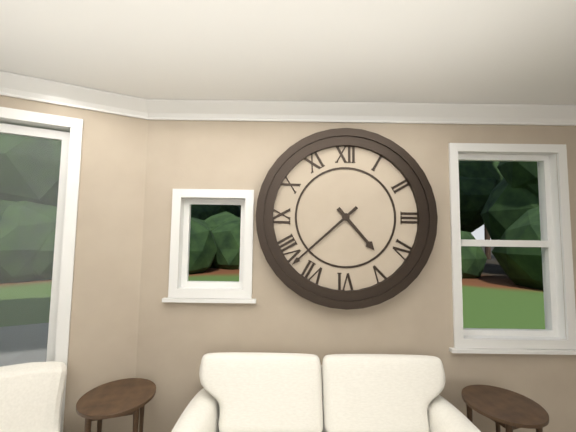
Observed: **4:38**
